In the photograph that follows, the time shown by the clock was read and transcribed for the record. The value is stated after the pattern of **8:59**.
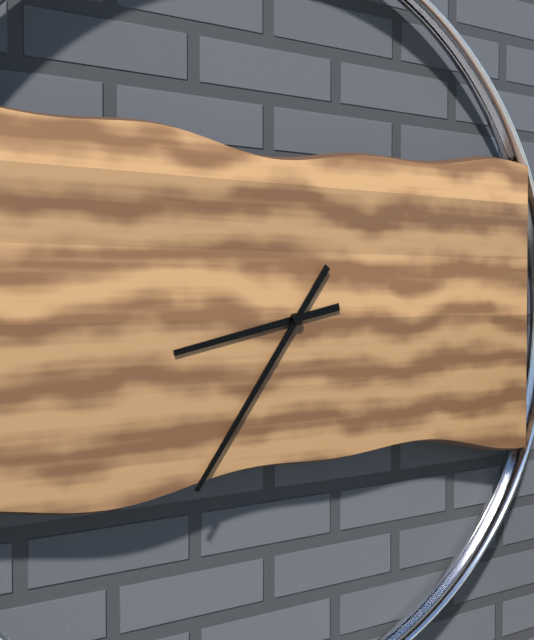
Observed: **8:36**
